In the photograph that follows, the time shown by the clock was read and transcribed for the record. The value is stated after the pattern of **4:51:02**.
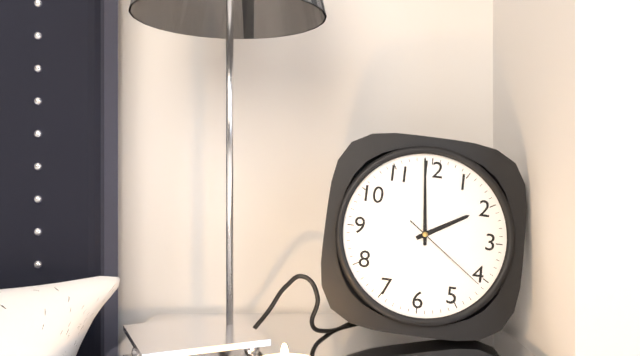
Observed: **1:59:21**
